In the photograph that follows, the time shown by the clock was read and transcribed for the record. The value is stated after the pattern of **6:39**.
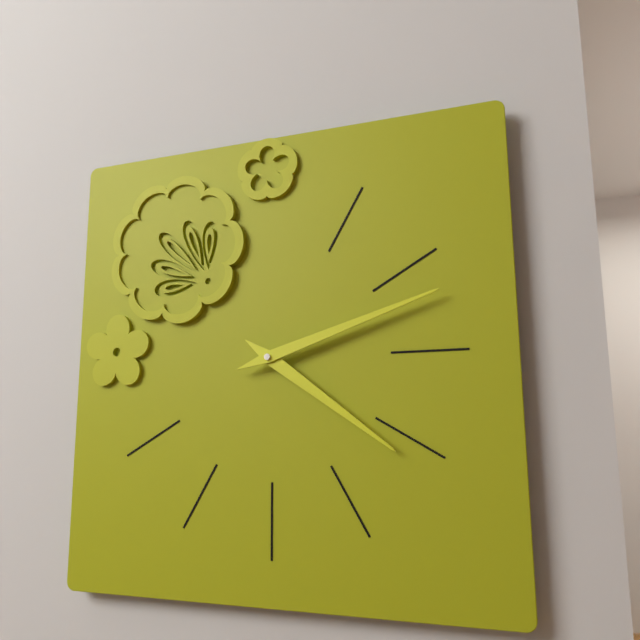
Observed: **4:12**
